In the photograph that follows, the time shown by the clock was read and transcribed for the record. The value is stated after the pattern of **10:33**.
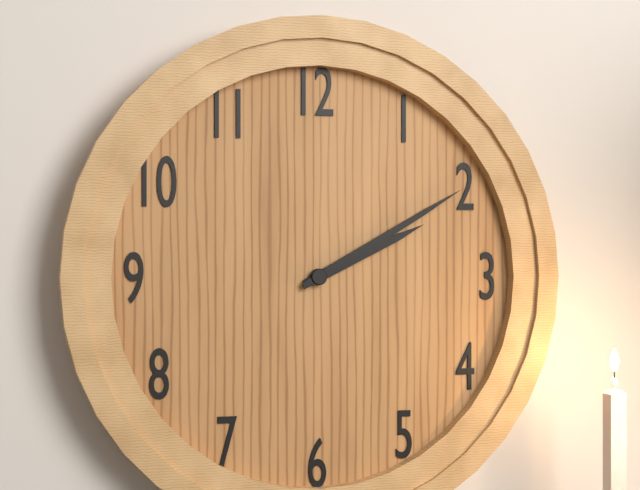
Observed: **2:10**
